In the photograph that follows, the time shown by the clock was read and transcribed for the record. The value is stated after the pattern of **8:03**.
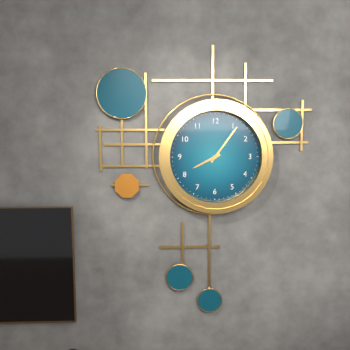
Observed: **8:06**
